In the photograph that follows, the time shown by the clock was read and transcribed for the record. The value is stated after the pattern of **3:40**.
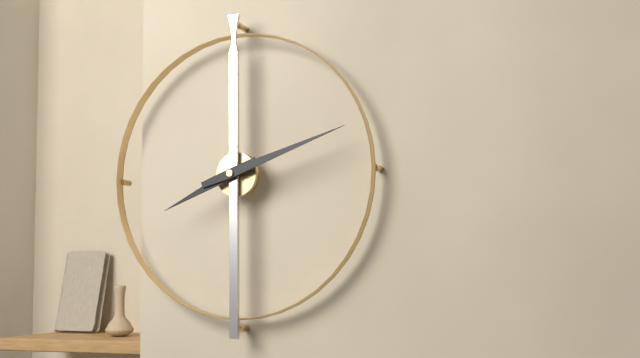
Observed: **8:12**
